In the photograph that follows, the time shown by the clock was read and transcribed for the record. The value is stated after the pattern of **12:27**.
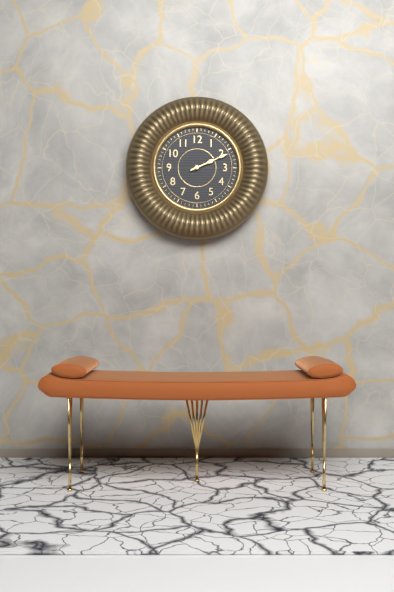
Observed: **2:11**
